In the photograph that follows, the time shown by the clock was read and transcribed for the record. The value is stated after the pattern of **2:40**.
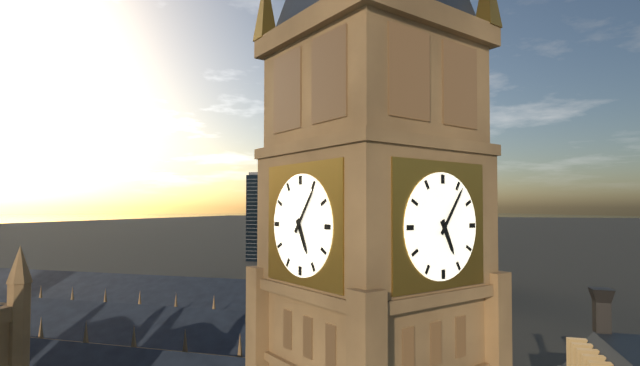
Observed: **5:06**
